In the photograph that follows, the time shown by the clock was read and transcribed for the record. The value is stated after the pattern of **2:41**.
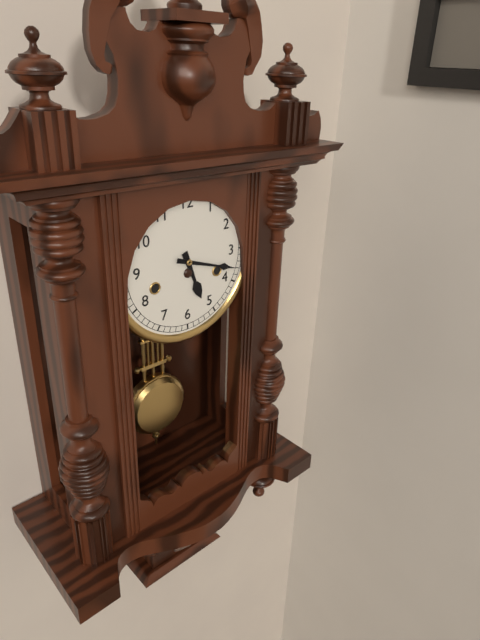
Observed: **5:18**
